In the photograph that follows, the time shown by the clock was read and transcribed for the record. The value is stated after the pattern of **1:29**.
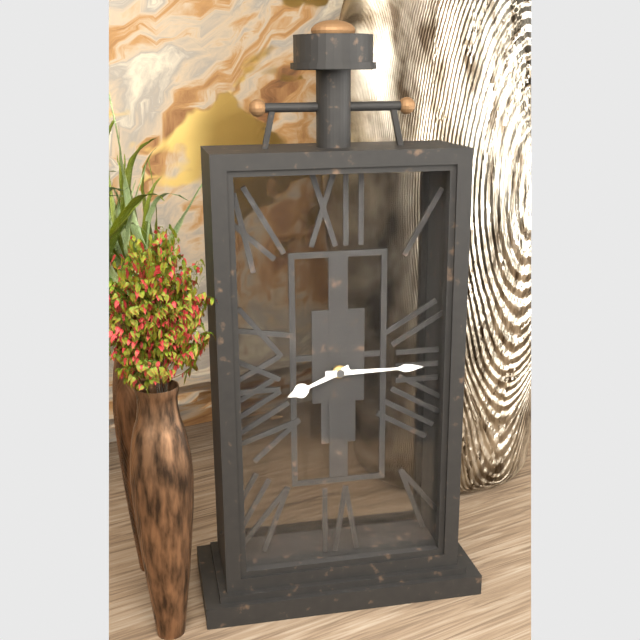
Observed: **8:15**
